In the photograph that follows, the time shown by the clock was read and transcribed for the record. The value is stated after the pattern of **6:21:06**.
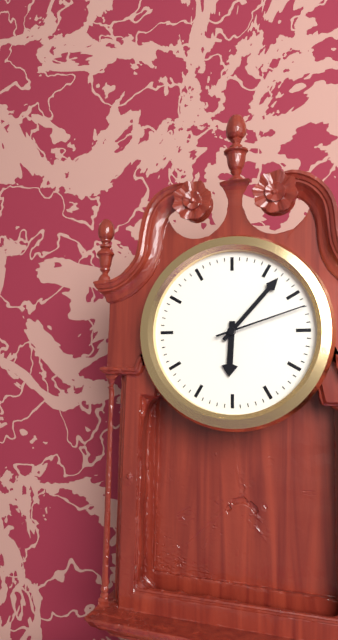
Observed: **6:07:12**
